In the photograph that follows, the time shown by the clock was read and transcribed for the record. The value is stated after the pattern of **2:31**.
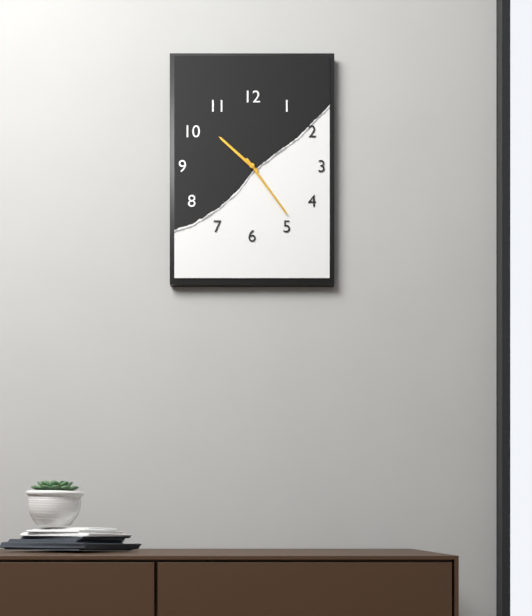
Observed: **10:24**
